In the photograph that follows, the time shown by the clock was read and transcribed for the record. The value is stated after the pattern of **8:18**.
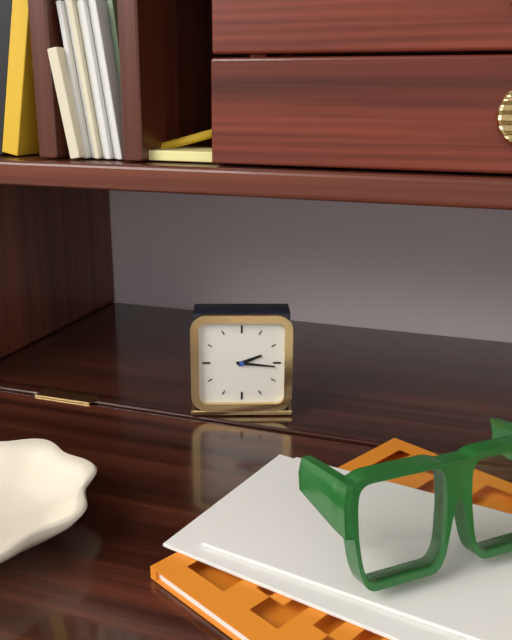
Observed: **2:16**
